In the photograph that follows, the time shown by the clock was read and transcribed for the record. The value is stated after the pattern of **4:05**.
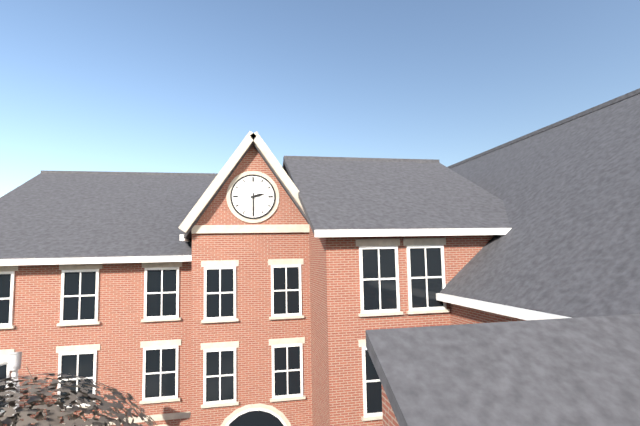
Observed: **2:30**
